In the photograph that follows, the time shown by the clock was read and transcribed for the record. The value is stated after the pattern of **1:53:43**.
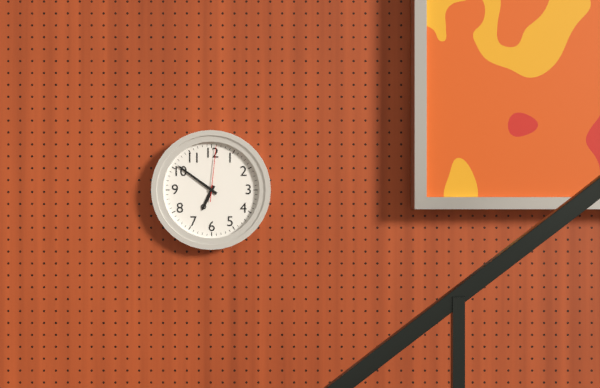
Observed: **6:51:01**
